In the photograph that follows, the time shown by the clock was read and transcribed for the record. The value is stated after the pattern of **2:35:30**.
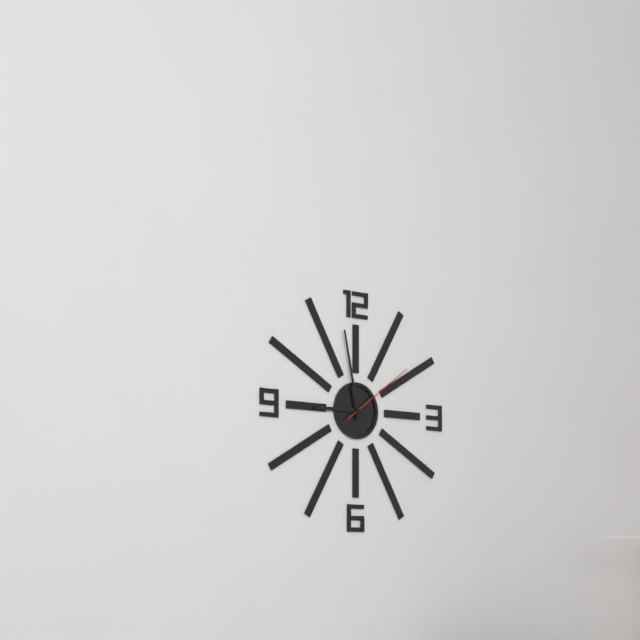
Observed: **8:58:09**
